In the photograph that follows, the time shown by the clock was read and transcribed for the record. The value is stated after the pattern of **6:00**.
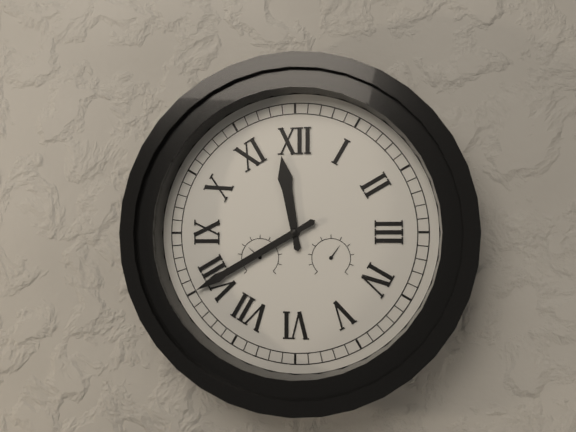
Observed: **11:40**
